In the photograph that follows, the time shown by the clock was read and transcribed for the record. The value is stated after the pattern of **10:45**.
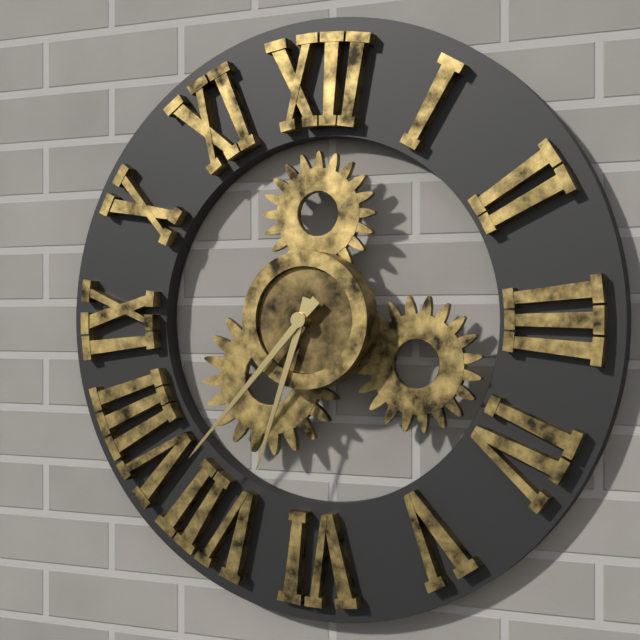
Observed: **6:37**
